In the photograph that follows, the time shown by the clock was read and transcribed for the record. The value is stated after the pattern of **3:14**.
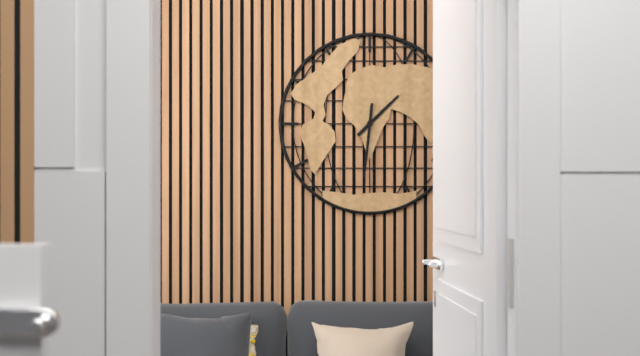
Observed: **1:31**
